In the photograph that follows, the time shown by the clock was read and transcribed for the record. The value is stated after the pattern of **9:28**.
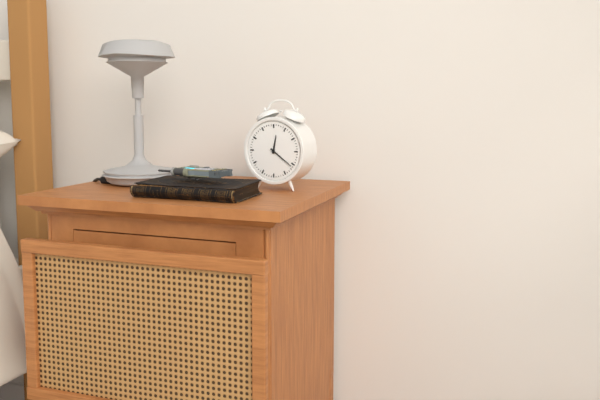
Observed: **12:21**
